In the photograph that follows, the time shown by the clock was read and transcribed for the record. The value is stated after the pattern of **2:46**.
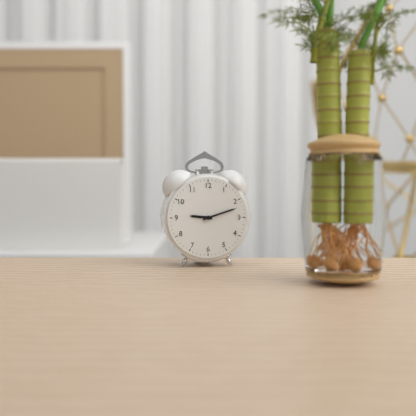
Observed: **9:12**
